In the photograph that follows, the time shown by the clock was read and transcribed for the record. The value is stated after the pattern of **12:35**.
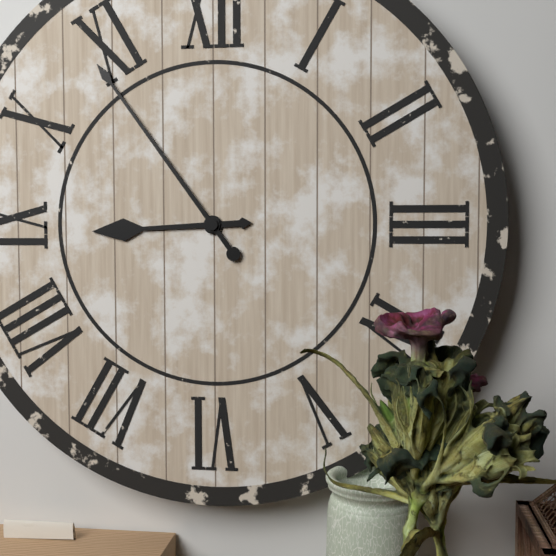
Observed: **8:54**
